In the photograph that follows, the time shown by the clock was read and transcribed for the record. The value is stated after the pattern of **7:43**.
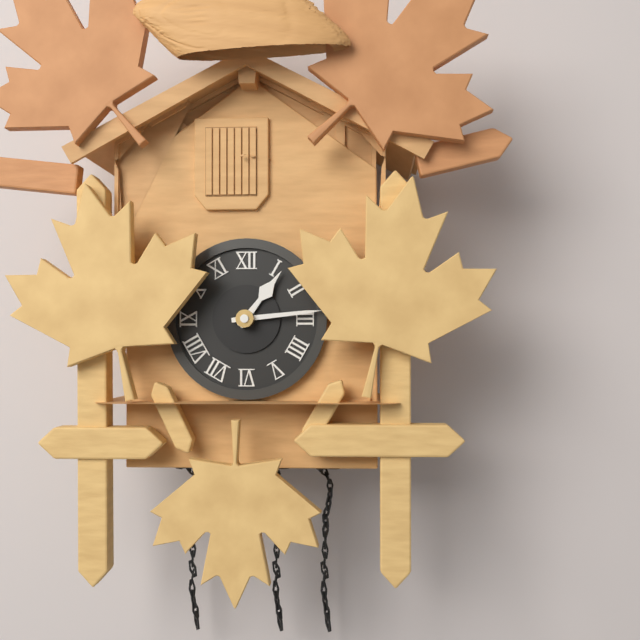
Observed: **1:14**
